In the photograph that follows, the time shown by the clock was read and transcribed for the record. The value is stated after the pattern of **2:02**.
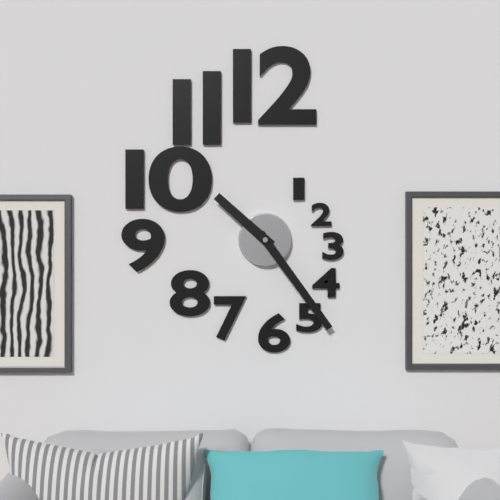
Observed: **10:24**
